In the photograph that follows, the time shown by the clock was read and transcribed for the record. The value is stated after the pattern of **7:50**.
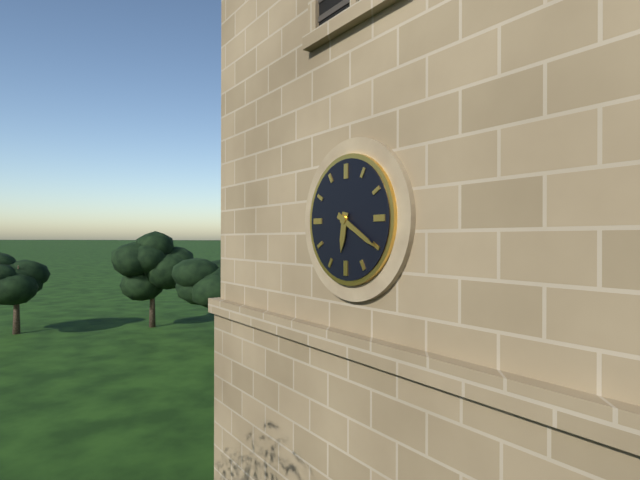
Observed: **6:20**
